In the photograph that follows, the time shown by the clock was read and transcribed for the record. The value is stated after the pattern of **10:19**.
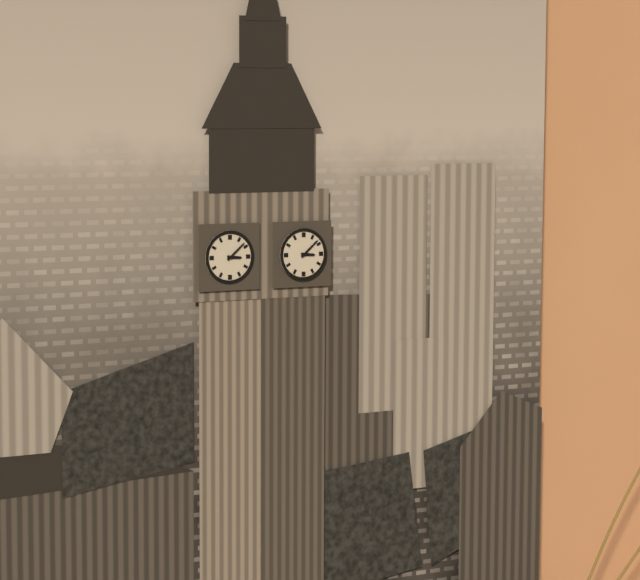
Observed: **3:08**
